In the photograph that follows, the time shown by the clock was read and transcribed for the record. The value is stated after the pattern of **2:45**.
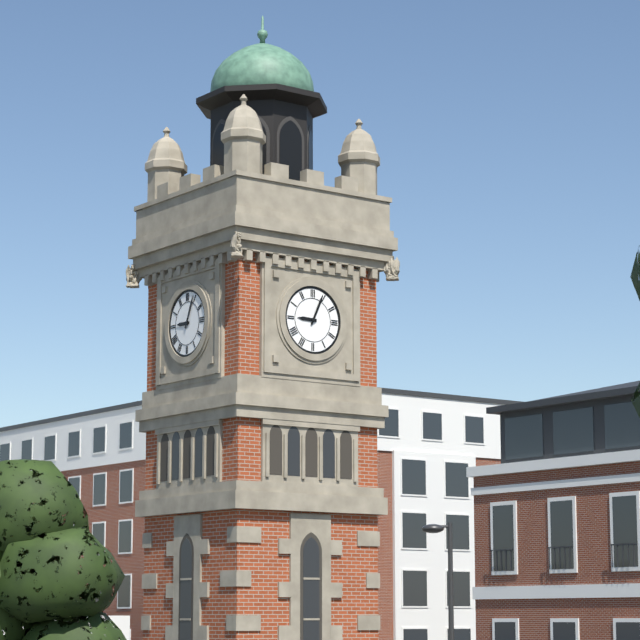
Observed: **9:04**
